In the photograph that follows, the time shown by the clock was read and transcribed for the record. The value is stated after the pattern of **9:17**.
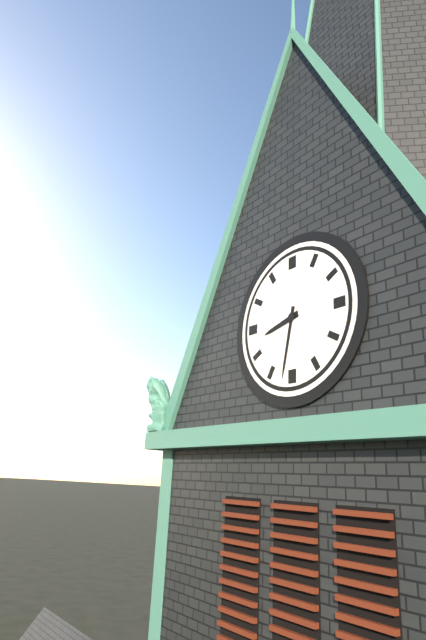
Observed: **8:32**
